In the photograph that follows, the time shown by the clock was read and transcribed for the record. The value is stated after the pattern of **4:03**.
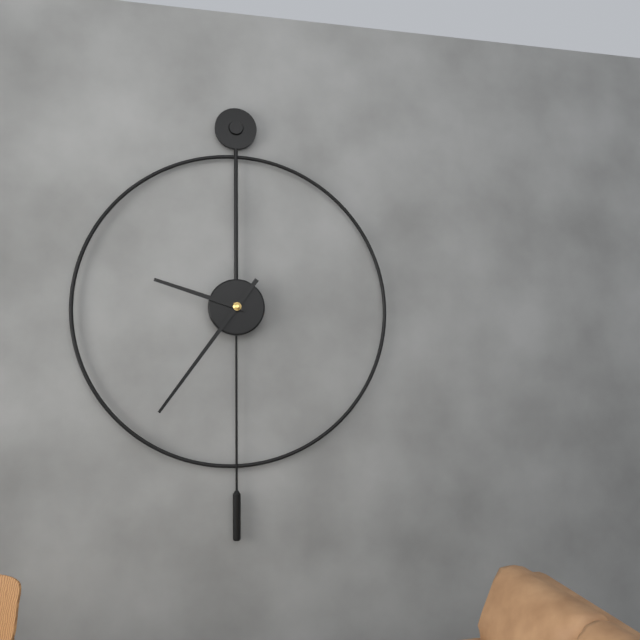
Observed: **9:36**
